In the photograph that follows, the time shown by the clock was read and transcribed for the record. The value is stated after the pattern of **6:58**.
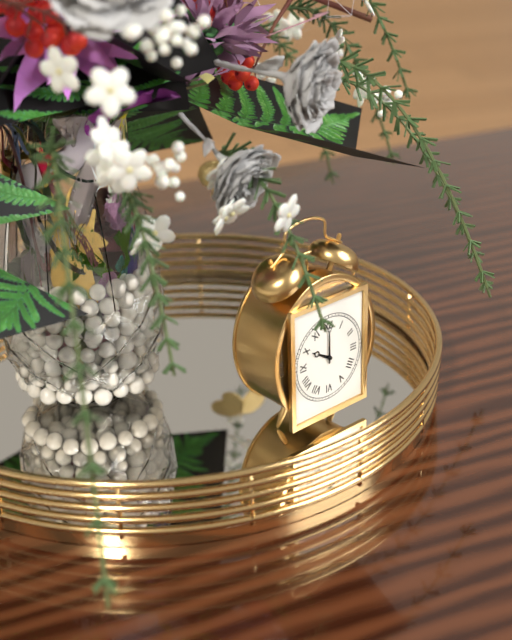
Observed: **10:00**
